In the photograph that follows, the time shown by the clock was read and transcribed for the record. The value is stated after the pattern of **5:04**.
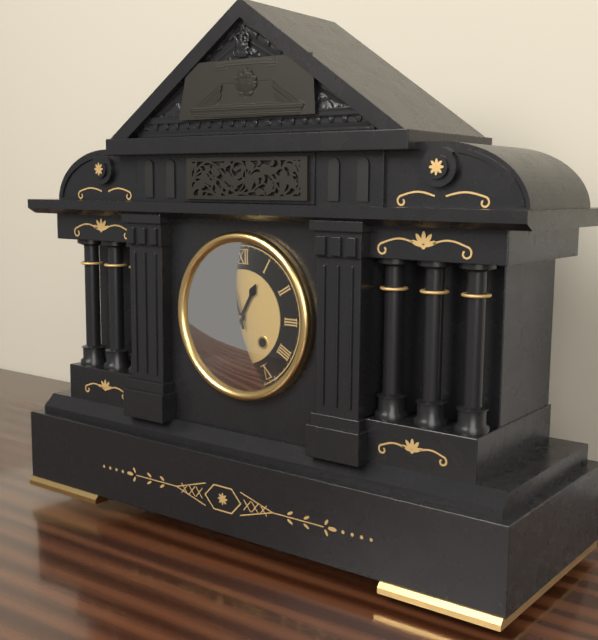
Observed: **12:57**
